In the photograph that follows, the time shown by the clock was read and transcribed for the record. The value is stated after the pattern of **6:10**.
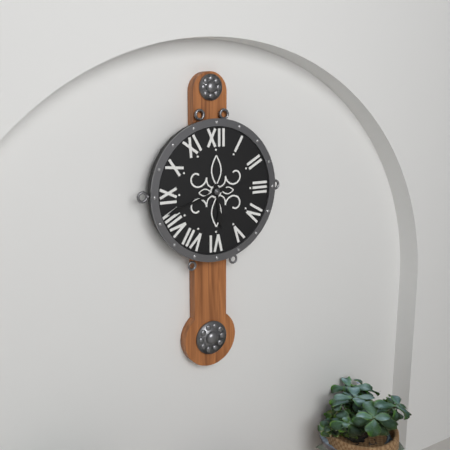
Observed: **5:42**
